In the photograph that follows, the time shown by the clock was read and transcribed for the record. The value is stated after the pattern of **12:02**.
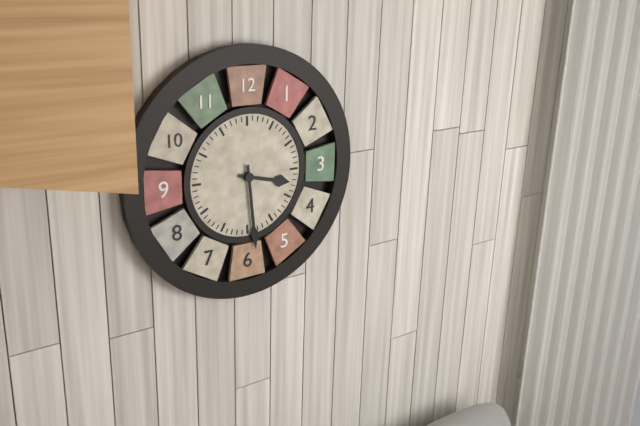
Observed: **3:29**
